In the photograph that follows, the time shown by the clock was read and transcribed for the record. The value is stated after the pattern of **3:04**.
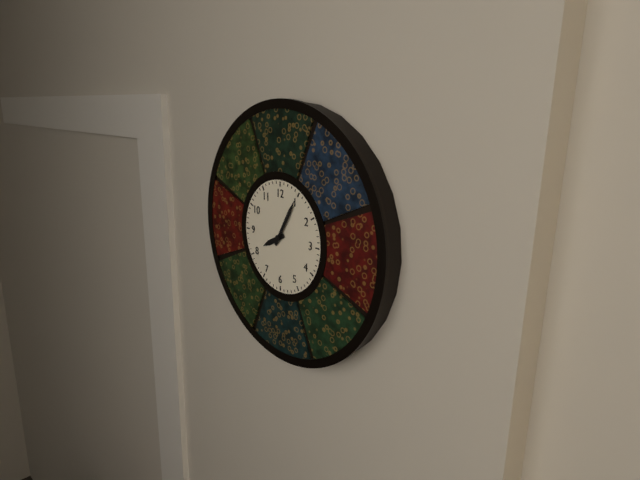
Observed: **8:05**
